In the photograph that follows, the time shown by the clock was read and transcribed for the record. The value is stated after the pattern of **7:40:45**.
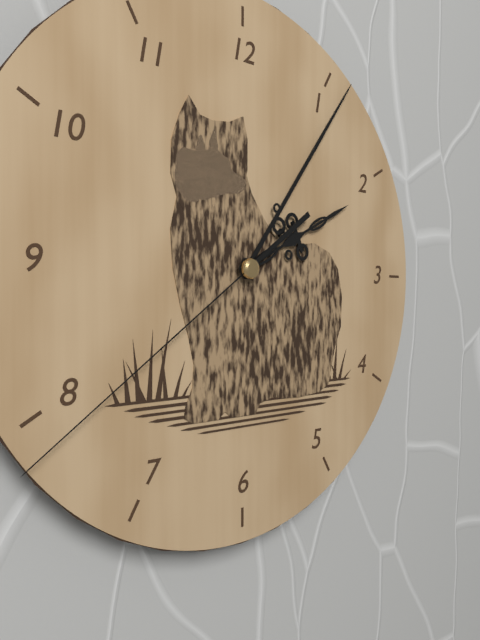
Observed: **2:06:39**
